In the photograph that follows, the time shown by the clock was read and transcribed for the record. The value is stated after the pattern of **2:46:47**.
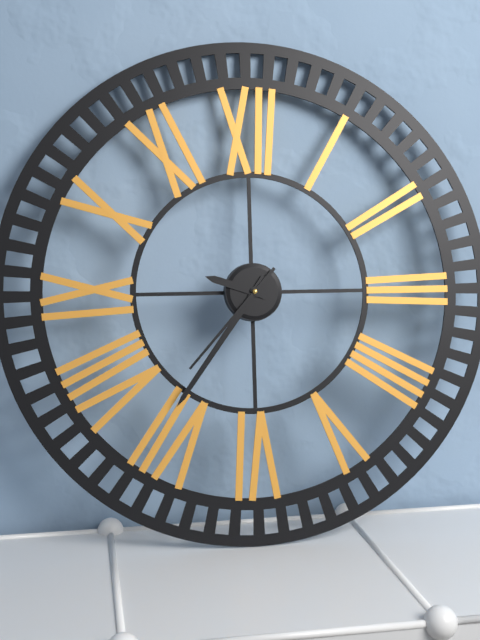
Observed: **9:36:37**
